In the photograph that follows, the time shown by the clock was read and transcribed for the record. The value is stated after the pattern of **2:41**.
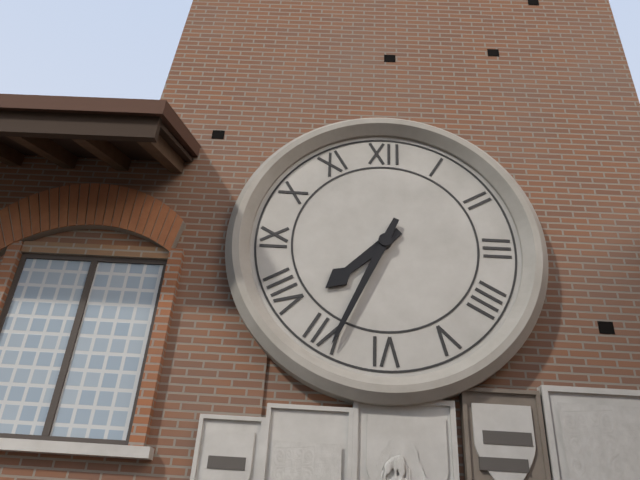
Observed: **7:34**
